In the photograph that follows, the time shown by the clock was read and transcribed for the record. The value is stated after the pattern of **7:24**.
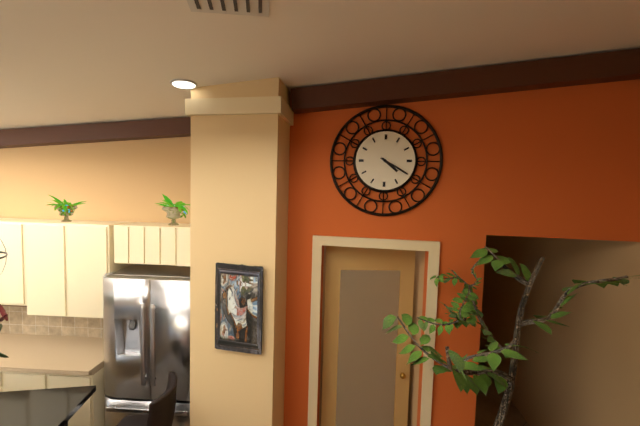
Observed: **4:20**
